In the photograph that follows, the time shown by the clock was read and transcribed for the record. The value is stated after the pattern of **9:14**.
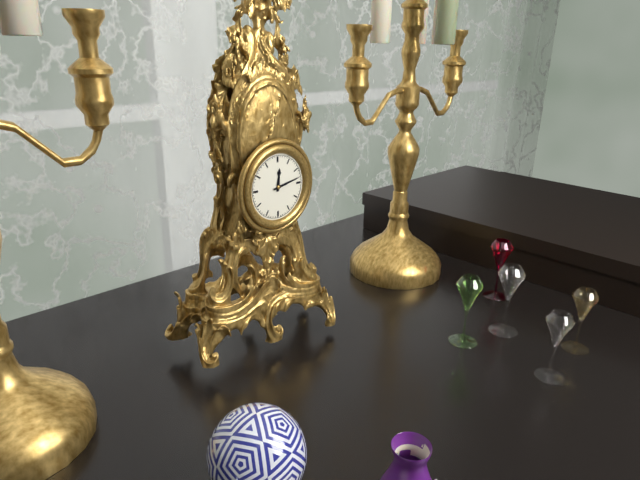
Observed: **12:13**
